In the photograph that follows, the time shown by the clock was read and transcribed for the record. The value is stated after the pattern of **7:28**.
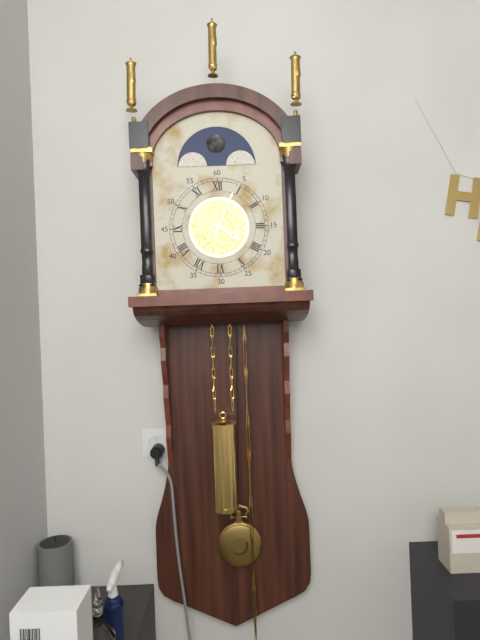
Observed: **4:04**
